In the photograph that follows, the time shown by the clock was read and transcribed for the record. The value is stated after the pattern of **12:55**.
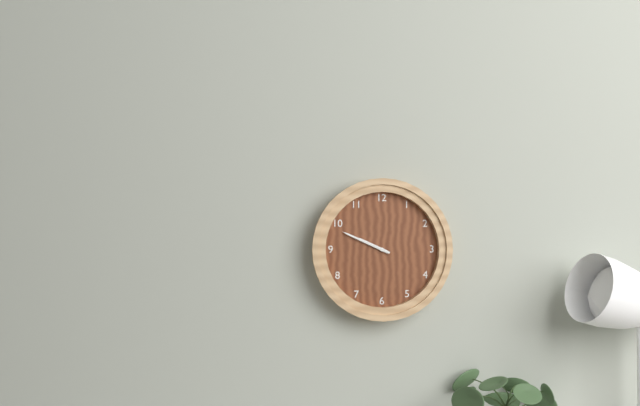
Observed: **9:49**
